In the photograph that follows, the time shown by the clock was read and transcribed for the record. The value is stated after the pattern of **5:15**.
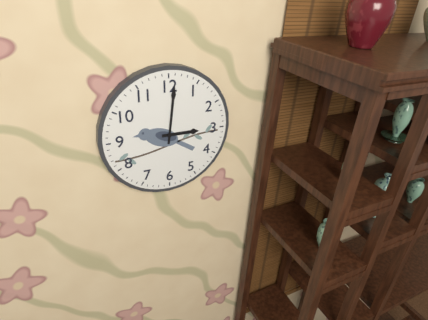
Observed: **3:01**
